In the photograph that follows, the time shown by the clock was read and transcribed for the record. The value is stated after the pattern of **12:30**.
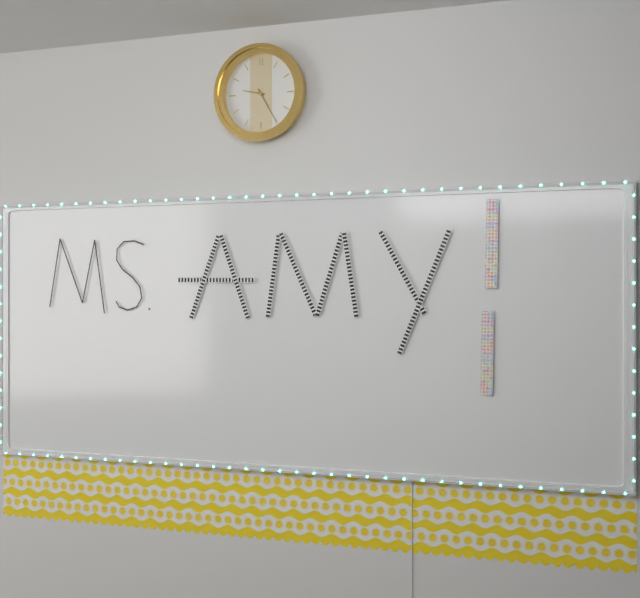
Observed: **9:25**
